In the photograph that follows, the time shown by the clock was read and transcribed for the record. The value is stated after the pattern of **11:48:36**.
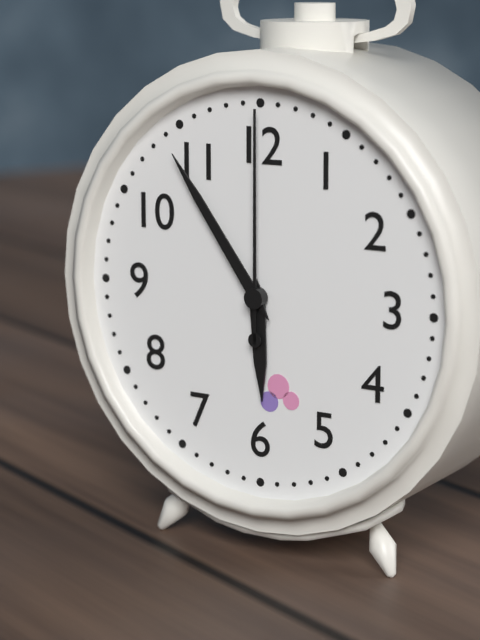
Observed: **5:54:00**
